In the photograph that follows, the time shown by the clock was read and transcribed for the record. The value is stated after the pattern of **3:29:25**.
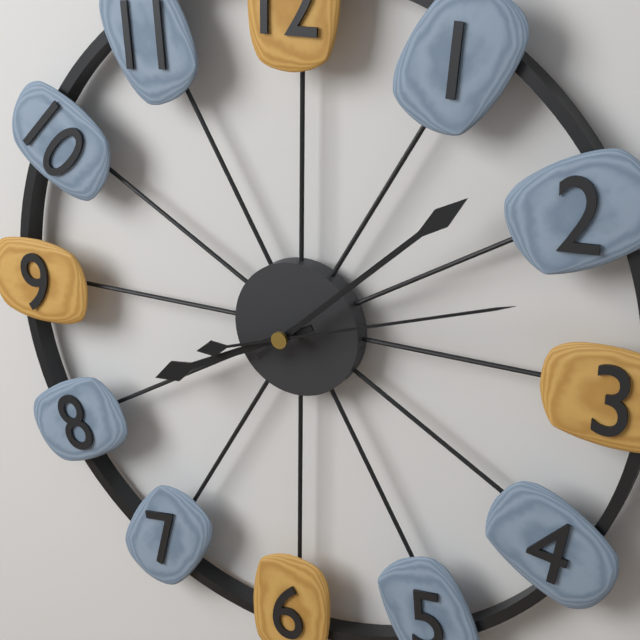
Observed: **8:08:12**
